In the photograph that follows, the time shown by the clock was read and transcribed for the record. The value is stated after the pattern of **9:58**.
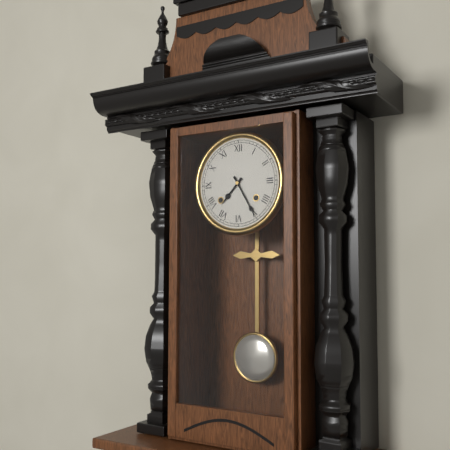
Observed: **7:25**
